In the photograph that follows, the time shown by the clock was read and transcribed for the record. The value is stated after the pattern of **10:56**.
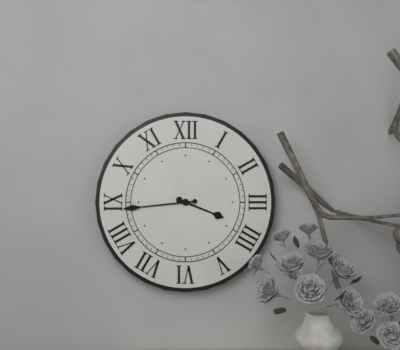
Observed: **3:44**
